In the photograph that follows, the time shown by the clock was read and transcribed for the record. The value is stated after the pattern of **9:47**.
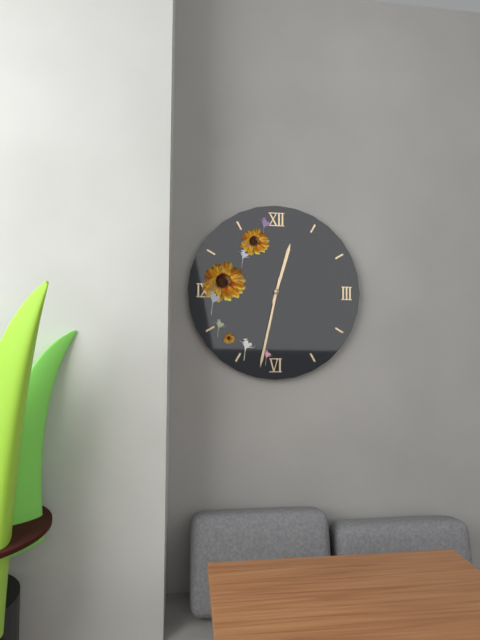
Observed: **12:32**
